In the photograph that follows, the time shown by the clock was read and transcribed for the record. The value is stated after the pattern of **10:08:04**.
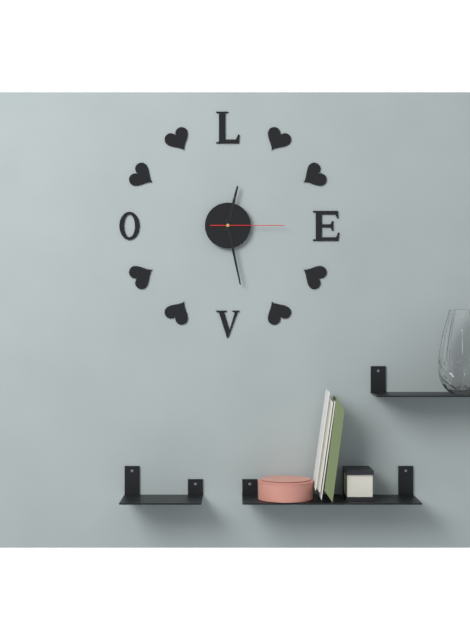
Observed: **12:28:15**
